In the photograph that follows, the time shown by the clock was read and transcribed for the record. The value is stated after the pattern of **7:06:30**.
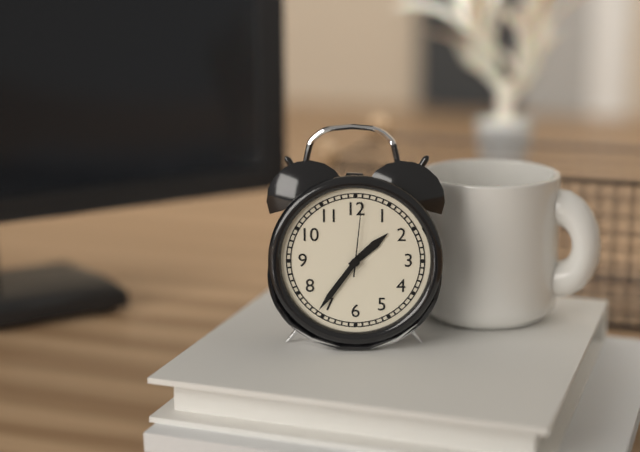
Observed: **1:36:01**
